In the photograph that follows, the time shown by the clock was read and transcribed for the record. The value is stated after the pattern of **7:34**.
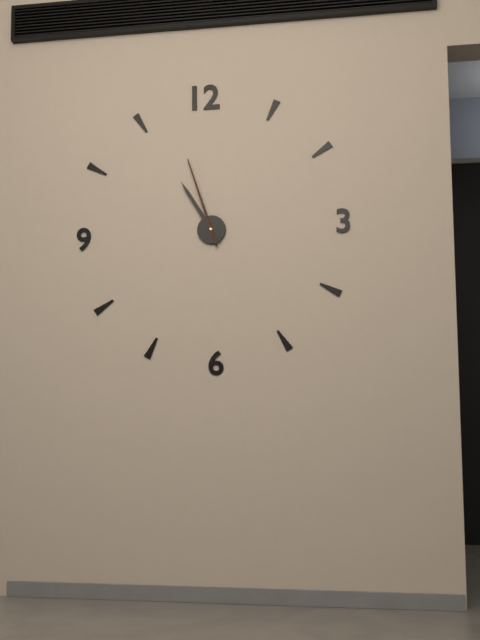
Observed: **10:57**
